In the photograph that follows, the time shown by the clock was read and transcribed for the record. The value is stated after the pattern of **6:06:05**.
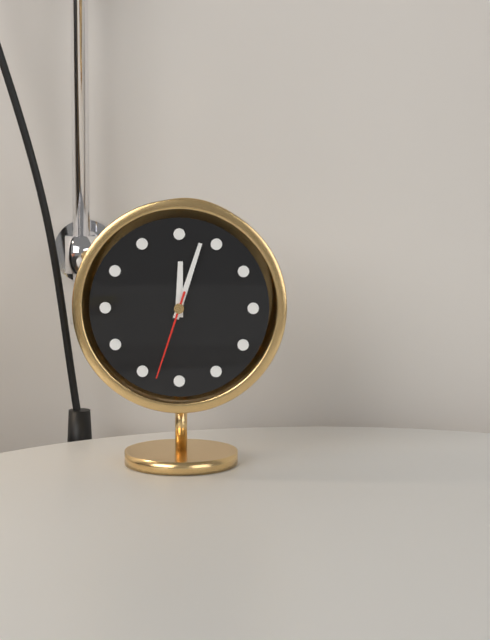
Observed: **12:03:33**
